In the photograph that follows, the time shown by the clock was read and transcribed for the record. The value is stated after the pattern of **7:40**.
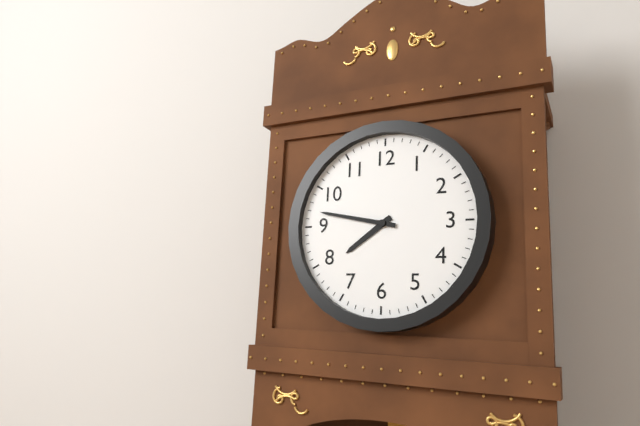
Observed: **7:47**
